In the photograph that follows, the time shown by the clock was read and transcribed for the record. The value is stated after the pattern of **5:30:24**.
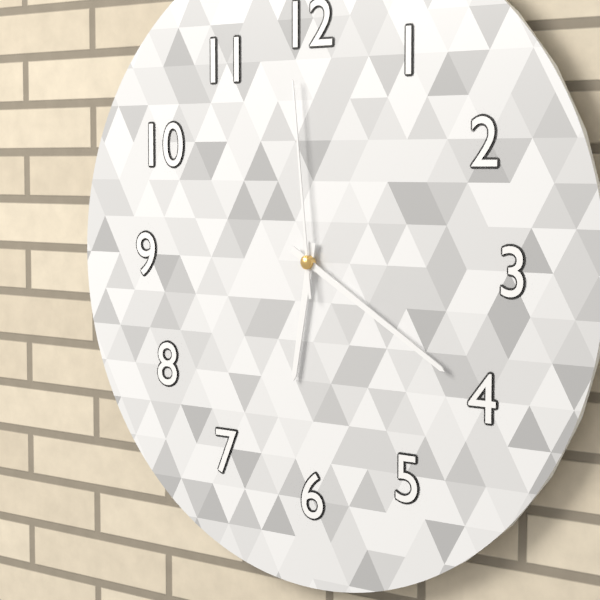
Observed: **6:20:59**
